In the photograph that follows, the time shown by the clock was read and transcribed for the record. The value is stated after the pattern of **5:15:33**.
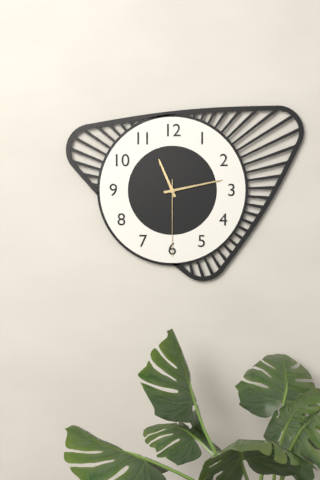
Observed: **11:13:30**
